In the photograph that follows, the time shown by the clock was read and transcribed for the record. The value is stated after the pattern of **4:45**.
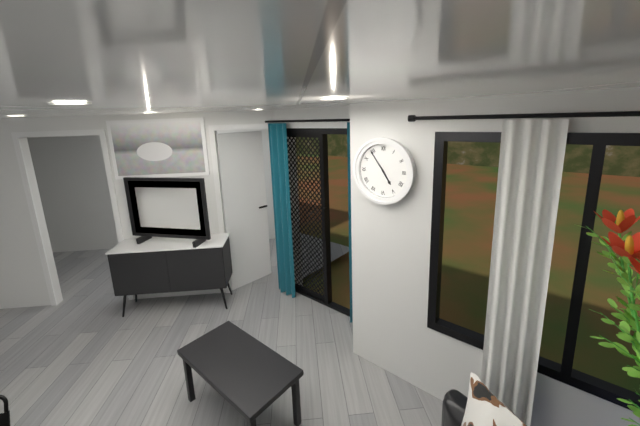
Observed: **4:54**
